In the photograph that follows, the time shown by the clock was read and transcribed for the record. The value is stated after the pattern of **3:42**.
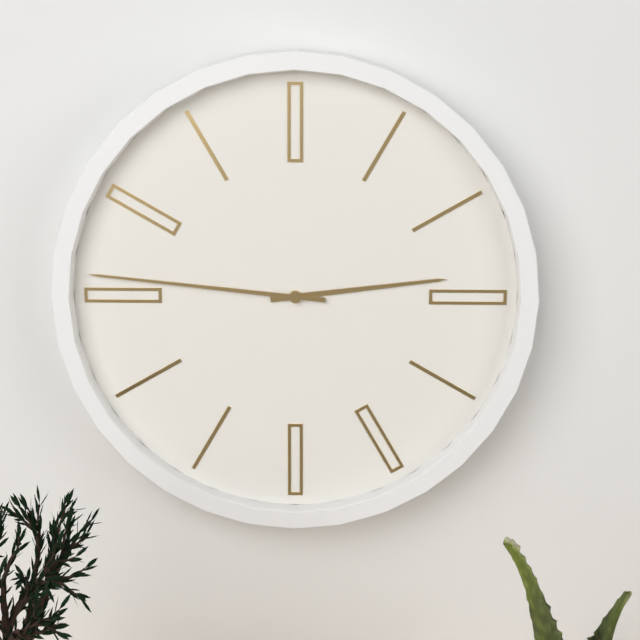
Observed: **2:46**
